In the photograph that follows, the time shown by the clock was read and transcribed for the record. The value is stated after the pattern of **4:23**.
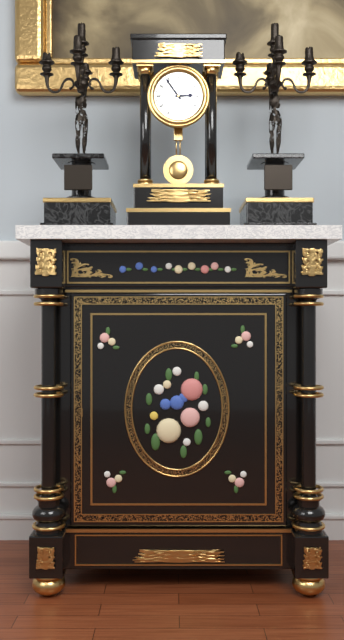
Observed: **2:54**
